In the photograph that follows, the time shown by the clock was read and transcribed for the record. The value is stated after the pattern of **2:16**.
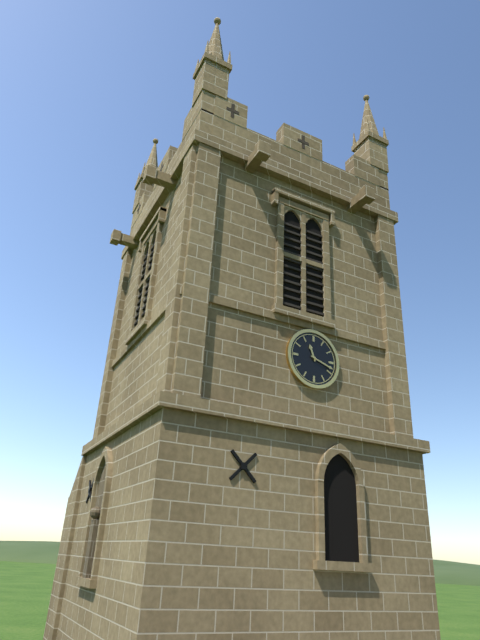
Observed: **11:18**
